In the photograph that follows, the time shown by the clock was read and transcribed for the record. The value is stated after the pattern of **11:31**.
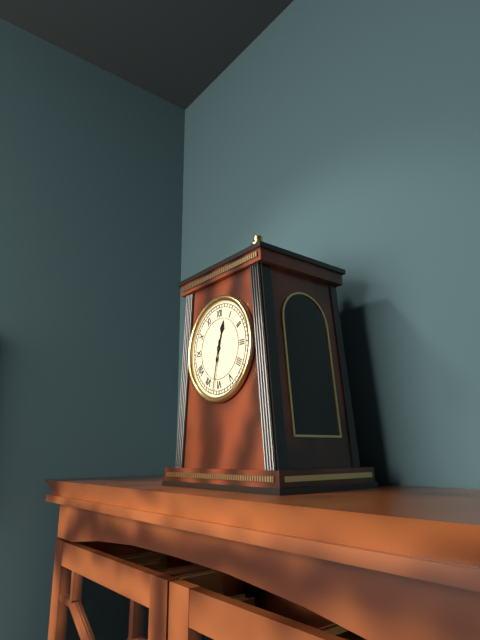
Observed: **12:32**
